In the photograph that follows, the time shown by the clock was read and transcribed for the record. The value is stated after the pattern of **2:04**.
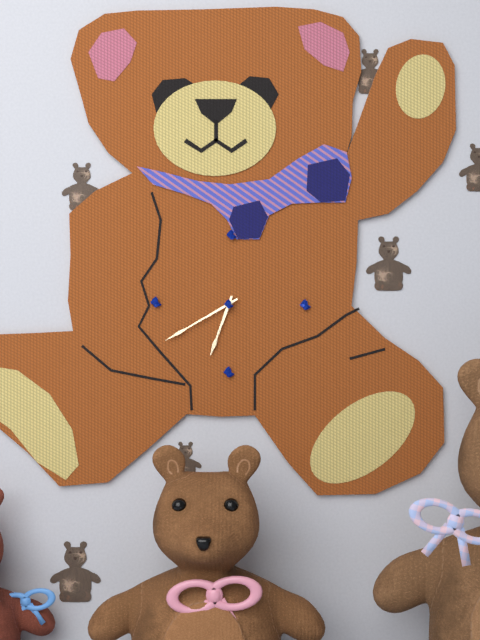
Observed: **6:40**
